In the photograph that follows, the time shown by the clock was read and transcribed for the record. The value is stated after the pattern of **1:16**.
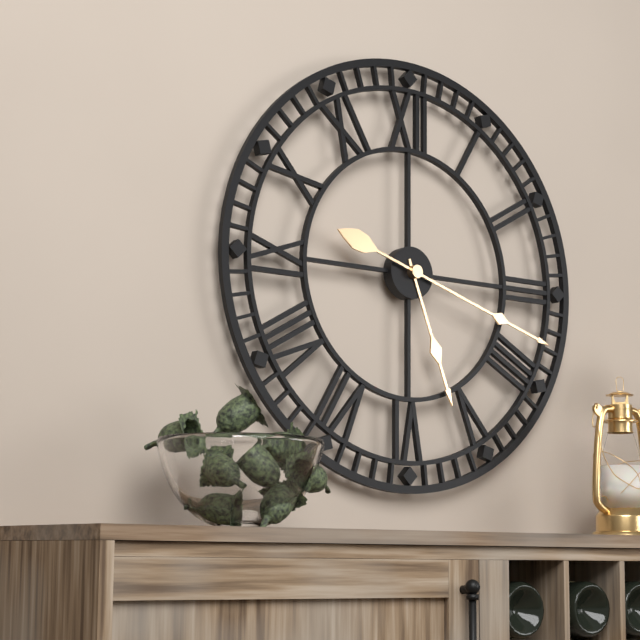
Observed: **5:18**
